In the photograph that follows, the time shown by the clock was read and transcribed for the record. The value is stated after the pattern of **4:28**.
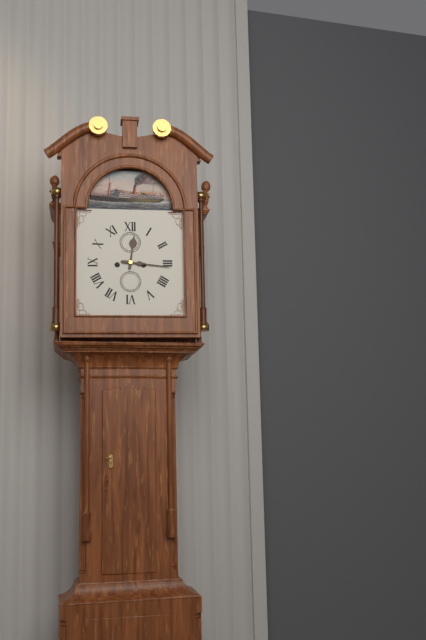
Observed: **12:16**
